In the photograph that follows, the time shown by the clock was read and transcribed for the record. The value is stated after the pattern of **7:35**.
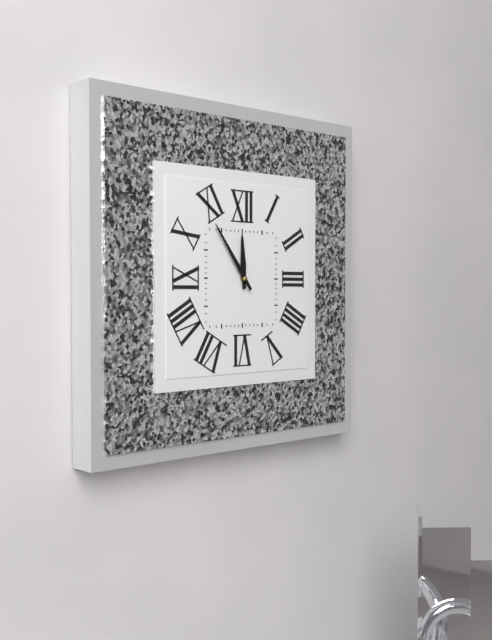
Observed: **11:54**
